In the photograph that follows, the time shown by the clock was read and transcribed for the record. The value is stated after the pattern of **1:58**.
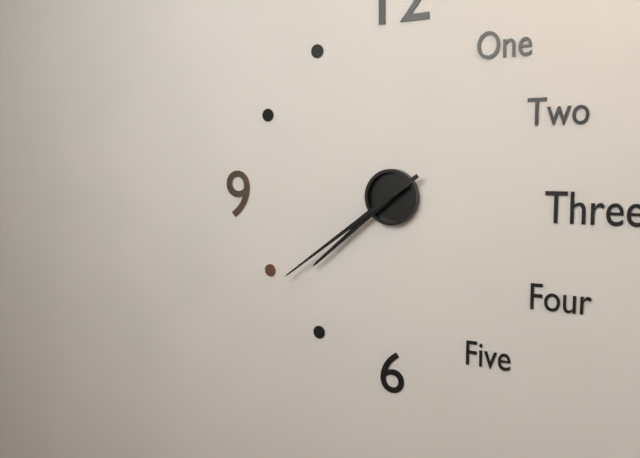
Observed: **7:39**
